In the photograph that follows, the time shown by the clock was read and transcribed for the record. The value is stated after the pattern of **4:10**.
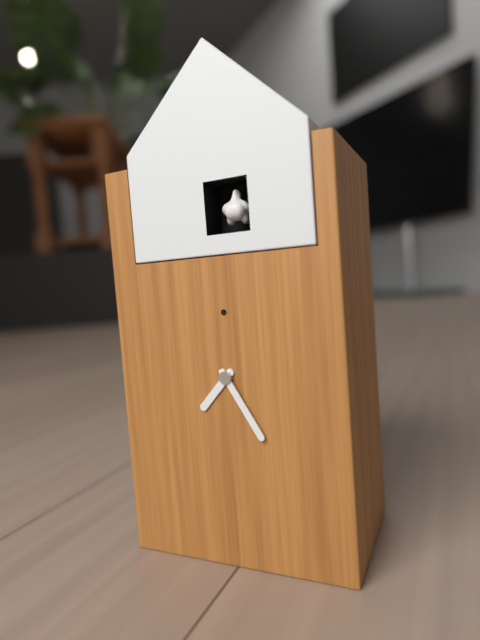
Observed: **7:25**
